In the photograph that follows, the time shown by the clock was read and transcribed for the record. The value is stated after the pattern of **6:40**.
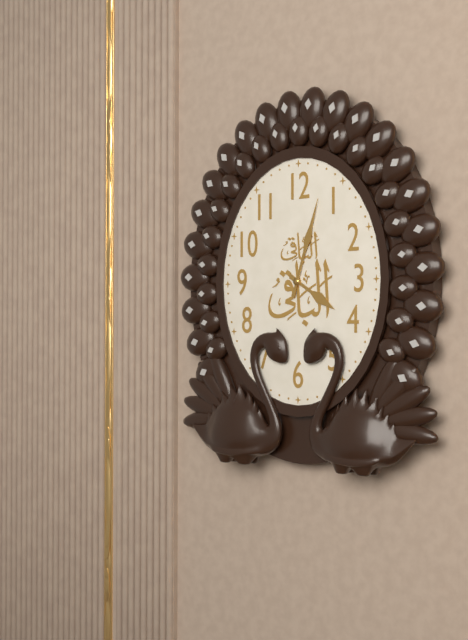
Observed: **4:03**
